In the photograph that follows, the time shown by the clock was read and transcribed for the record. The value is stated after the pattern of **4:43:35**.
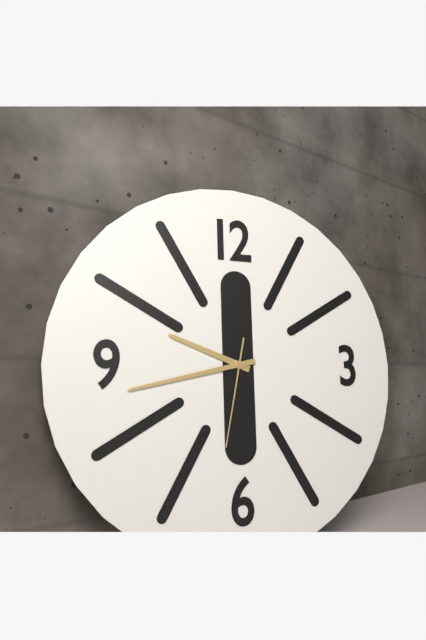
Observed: **9:43:32**
